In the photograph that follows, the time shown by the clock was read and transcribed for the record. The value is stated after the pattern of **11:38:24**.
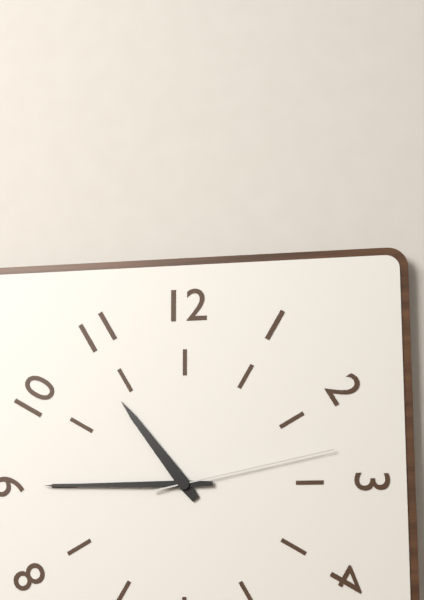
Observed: **10:45:13**
